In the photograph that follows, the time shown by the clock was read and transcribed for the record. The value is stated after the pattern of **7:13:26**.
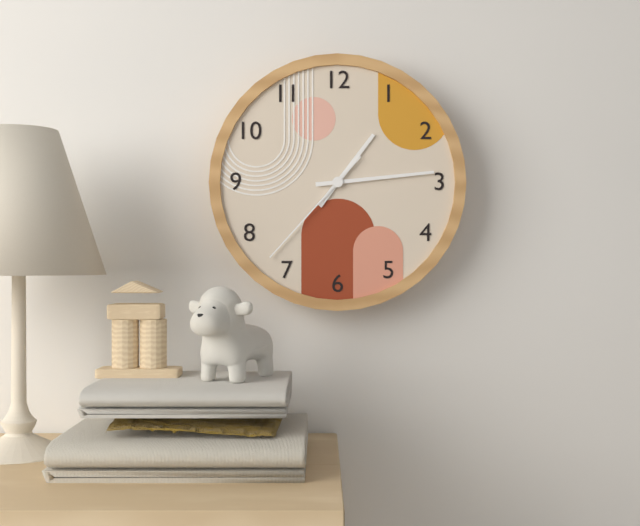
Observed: **1:14:37**
